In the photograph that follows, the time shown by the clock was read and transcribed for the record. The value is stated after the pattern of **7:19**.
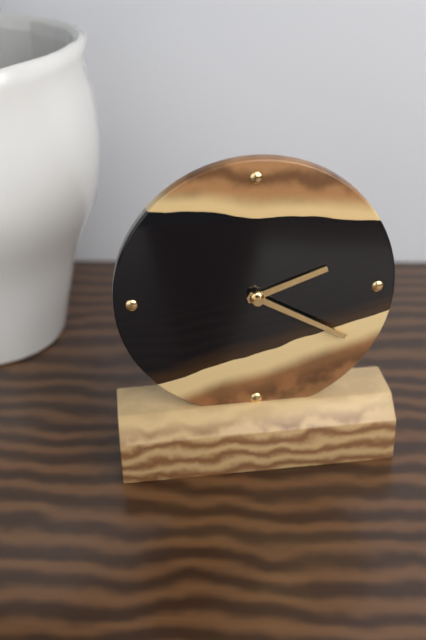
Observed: **2:20**
